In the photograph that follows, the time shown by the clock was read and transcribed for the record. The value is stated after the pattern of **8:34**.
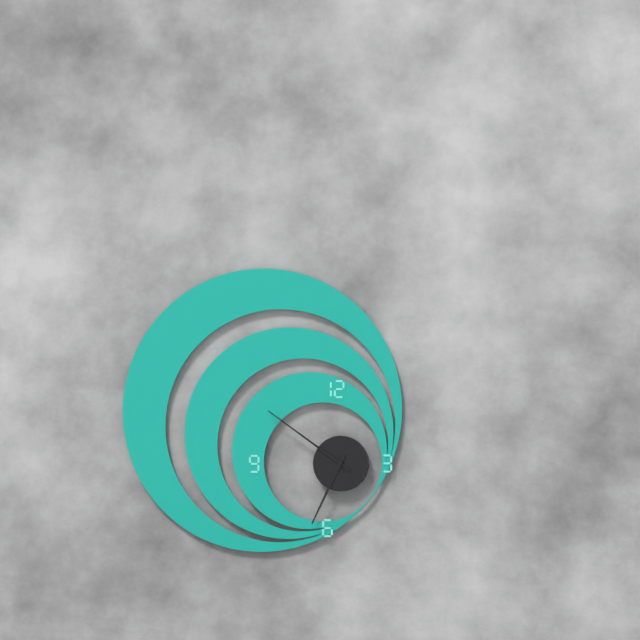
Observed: **6:51**
